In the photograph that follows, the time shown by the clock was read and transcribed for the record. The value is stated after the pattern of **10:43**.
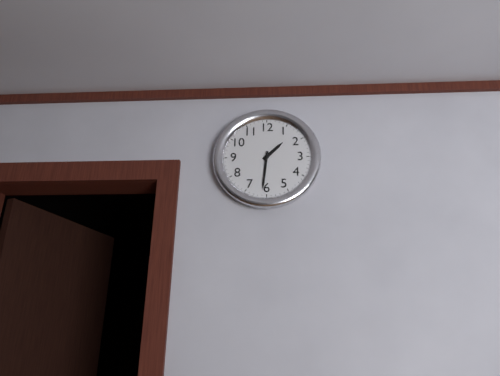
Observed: **1:31**
